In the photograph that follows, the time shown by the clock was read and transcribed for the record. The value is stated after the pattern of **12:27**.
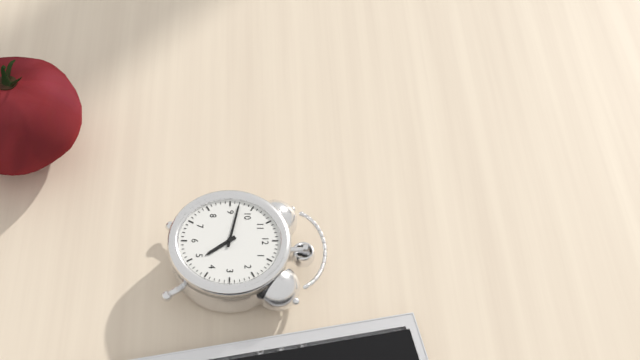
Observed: **4:47**
